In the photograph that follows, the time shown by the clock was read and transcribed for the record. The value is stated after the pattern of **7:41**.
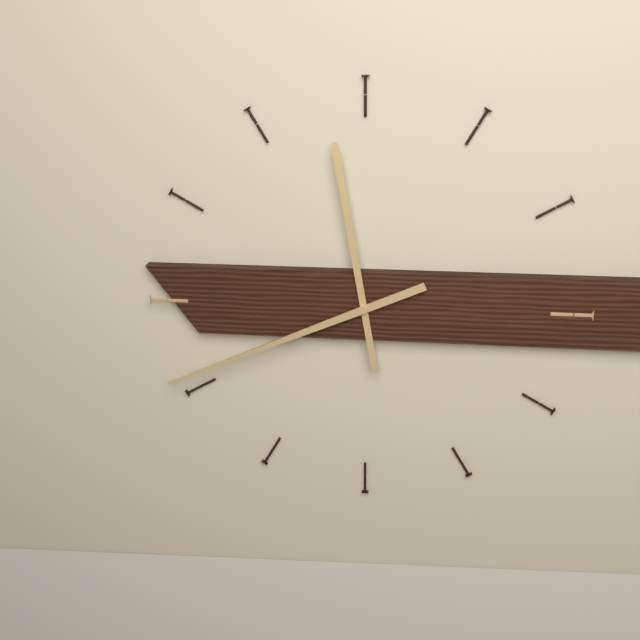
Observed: **11:41**
